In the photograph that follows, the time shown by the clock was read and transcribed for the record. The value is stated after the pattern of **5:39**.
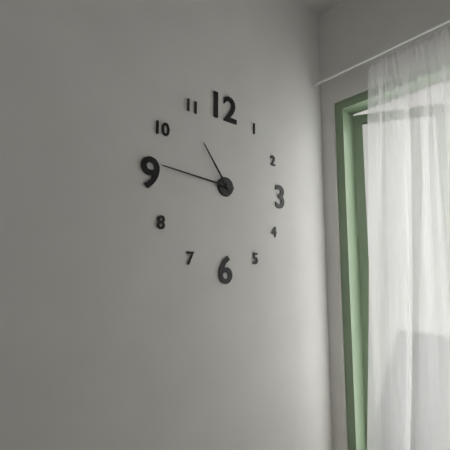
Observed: **10:46**
